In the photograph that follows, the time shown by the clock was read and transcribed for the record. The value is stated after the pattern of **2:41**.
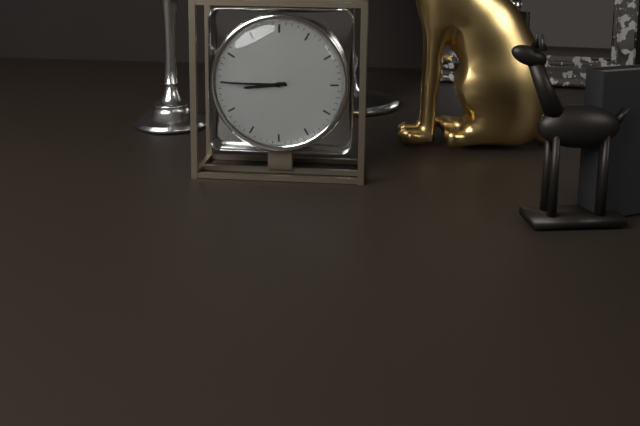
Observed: **8:45**
